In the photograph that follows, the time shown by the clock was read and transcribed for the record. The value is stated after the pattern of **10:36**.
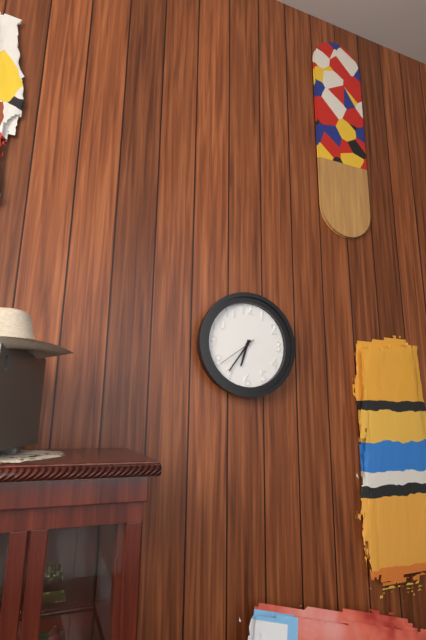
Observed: **6:36**
